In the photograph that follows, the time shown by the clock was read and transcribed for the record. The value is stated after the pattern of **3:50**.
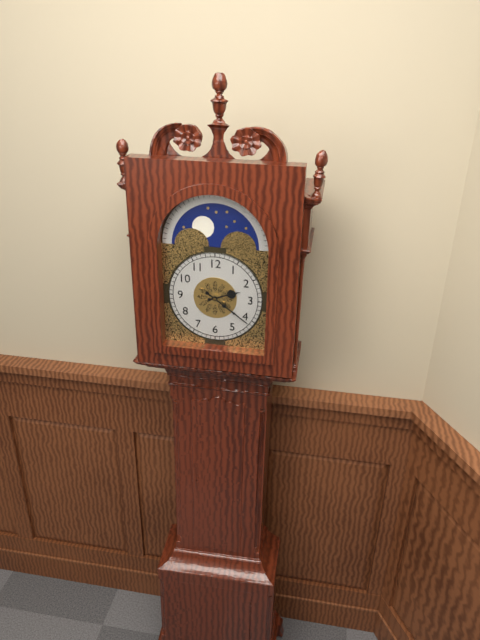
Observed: **2:21**
